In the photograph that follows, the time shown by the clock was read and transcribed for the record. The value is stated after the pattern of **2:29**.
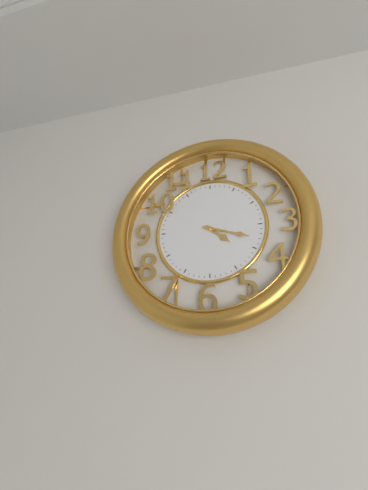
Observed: **4:18**
